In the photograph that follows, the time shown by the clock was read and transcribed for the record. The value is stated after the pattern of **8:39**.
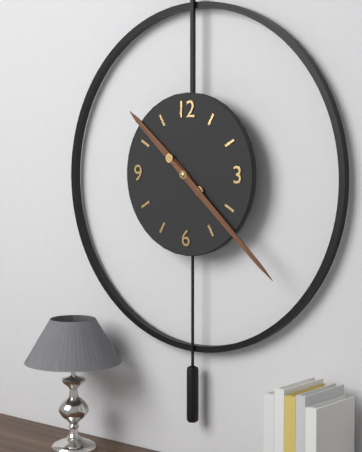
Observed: **10:22**
